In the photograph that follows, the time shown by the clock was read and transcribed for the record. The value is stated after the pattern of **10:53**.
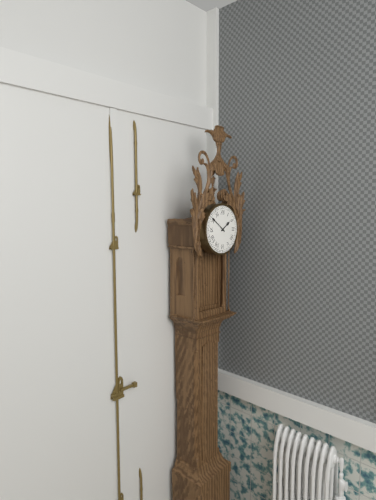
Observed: **1:51**
